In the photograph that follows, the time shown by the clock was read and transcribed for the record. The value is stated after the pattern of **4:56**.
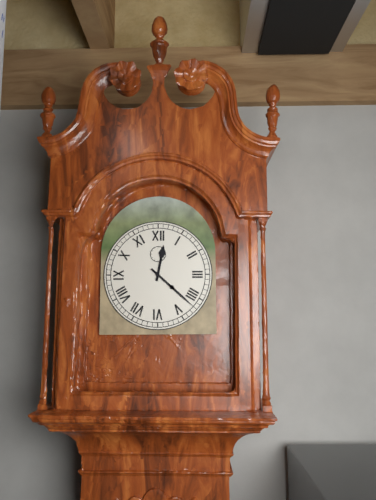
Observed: **12:22**
